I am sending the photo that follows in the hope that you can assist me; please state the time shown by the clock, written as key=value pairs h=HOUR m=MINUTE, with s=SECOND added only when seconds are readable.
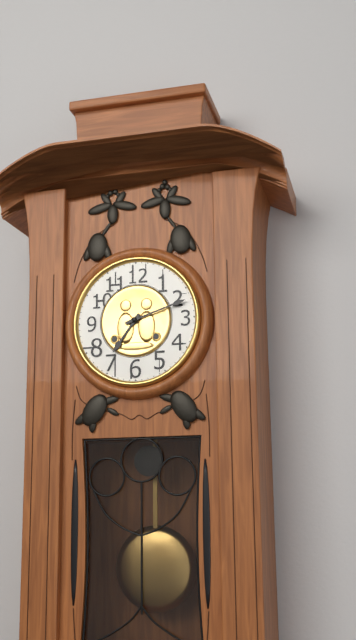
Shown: h=7 m=12
